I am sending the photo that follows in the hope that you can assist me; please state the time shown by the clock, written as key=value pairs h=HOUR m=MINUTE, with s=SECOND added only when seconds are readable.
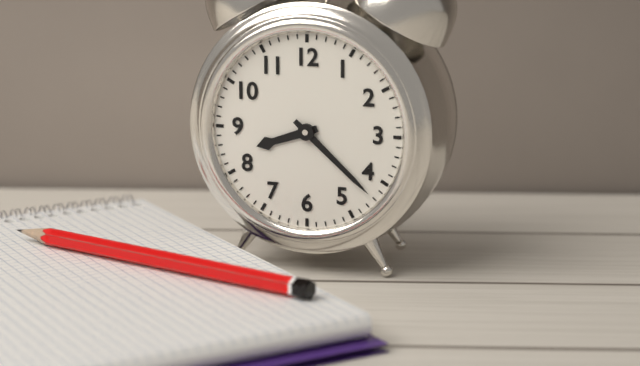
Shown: h=8 m=22
